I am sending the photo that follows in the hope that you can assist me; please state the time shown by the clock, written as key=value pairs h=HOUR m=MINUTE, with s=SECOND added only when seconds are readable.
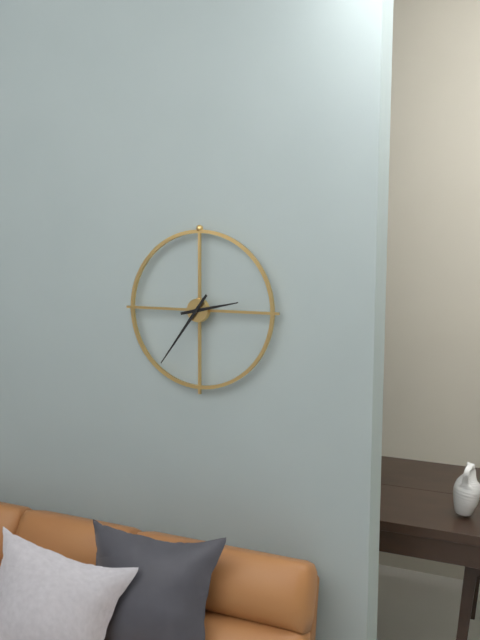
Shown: h=2 m=36
